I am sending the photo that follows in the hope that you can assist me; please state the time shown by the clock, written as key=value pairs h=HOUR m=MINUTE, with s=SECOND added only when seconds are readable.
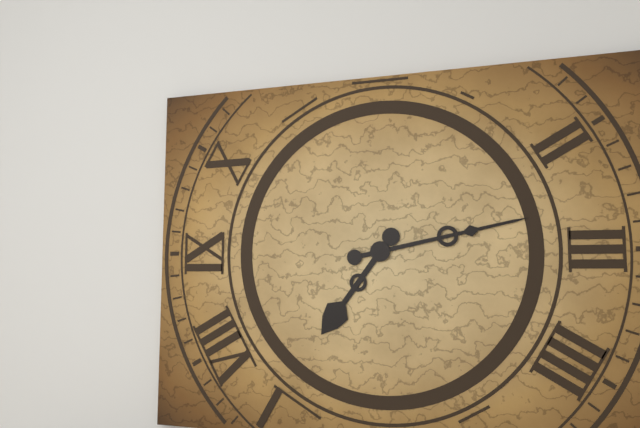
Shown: h=7 m=13
